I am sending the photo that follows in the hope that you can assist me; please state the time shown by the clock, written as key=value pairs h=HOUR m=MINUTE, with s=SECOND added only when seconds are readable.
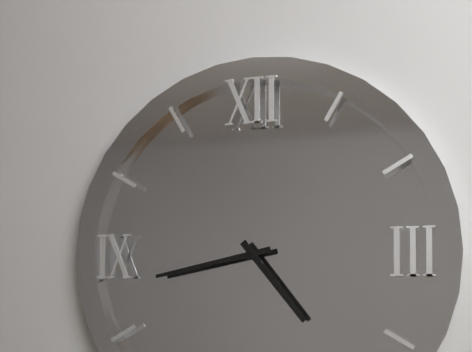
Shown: h=4 m=43
